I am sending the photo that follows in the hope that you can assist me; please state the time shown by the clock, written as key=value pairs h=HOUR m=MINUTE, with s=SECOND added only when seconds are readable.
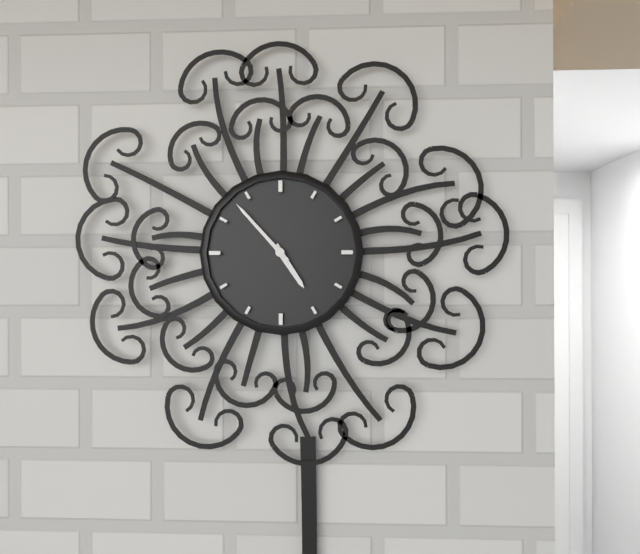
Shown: h=4 m=53
